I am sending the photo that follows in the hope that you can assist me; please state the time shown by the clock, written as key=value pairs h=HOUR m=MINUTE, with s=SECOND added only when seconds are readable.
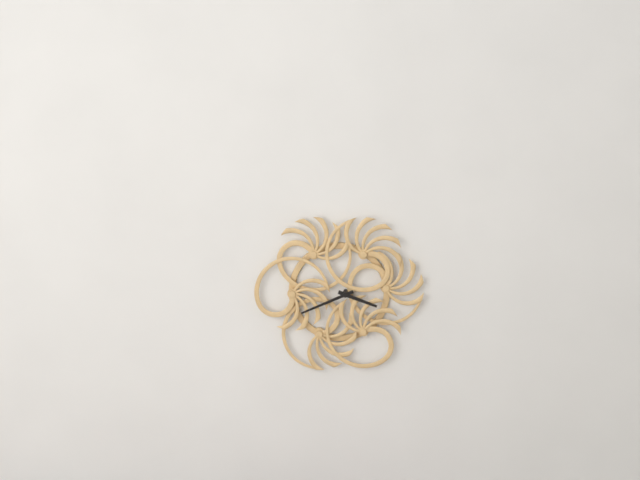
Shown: h=3 m=41
